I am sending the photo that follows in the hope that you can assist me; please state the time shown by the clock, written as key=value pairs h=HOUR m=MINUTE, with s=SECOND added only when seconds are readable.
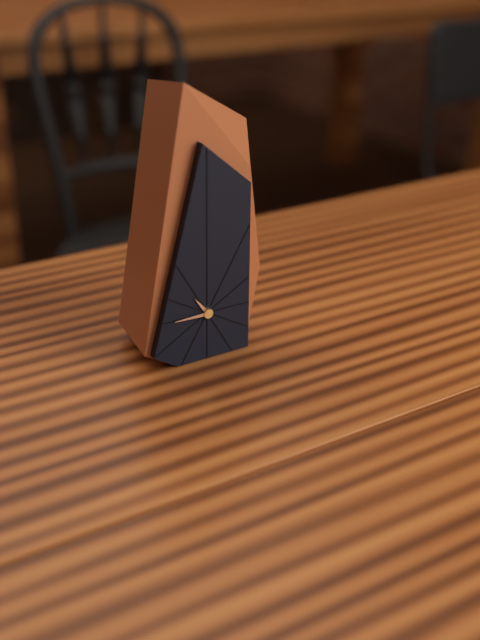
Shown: h=10 m=45
